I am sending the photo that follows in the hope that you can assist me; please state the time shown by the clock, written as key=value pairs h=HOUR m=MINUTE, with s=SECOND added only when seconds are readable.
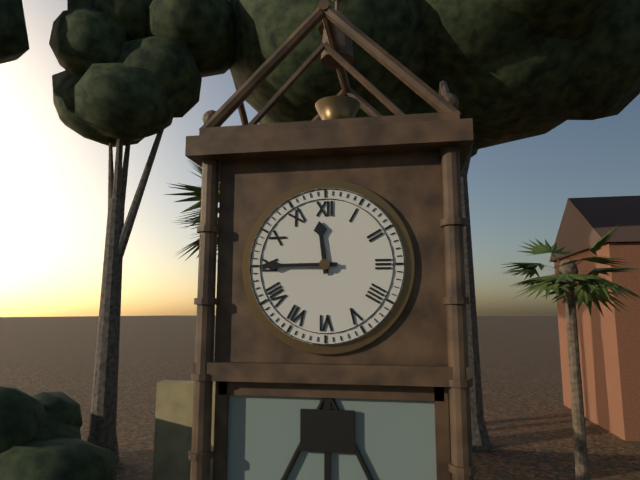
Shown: h=11 m=45
